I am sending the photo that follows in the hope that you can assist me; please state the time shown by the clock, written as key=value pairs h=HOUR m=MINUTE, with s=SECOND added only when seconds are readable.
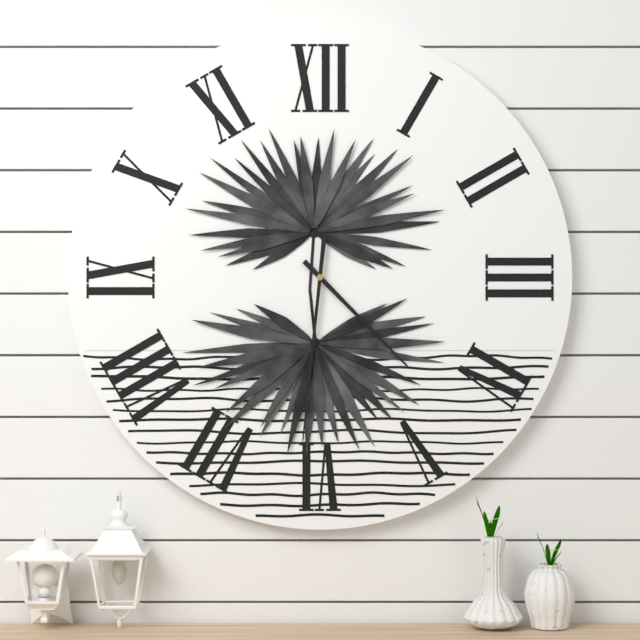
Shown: h=4 m=31
